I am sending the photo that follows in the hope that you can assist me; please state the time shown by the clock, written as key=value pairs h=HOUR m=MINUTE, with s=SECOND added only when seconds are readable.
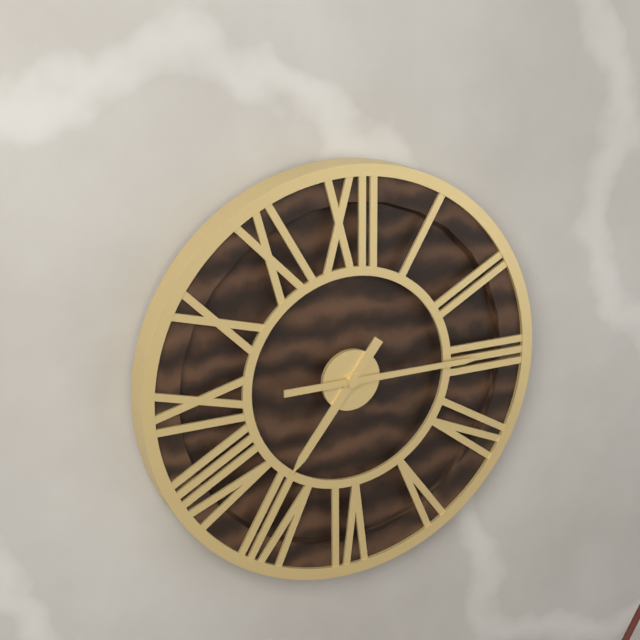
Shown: h=7 m=15
